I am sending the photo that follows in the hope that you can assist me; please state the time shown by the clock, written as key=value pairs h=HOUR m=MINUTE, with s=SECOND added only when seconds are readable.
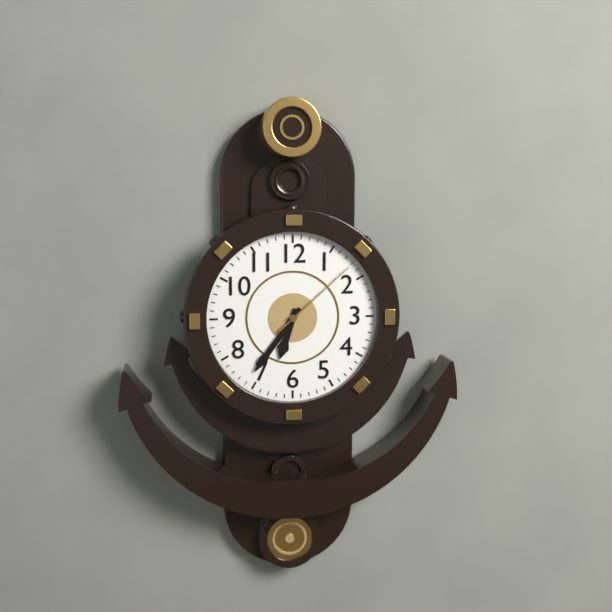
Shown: h=6 m=36 s=8
